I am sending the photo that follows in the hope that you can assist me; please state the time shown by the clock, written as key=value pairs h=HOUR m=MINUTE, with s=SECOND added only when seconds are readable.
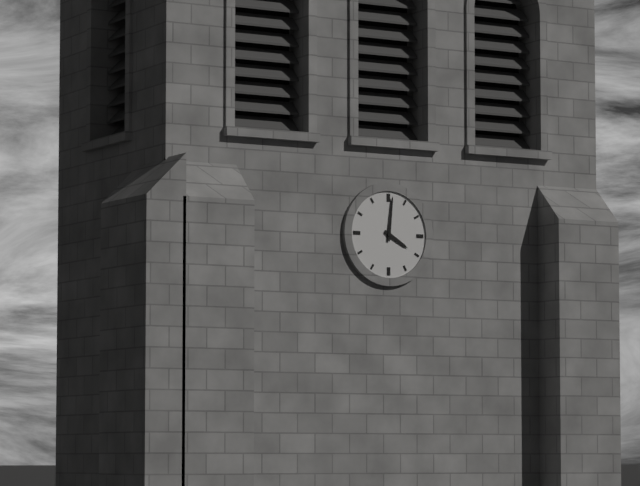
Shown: h=4 m=1
